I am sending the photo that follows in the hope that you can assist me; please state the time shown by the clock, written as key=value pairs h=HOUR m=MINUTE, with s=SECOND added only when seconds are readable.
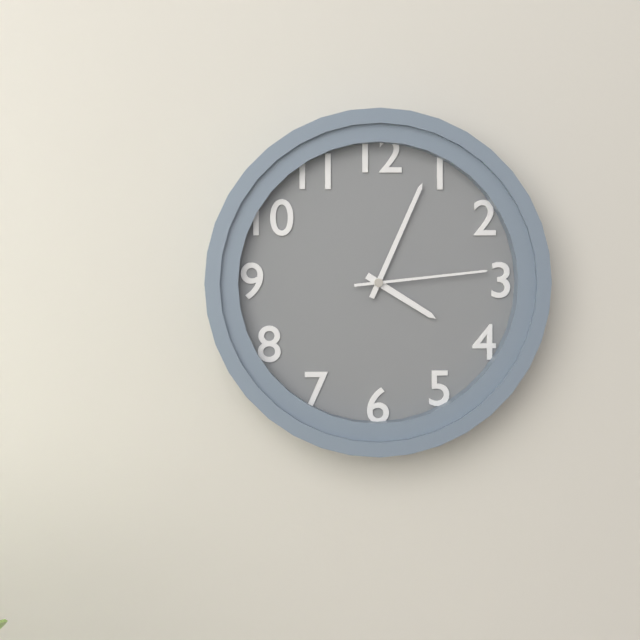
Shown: h=4 m=4 s=14
